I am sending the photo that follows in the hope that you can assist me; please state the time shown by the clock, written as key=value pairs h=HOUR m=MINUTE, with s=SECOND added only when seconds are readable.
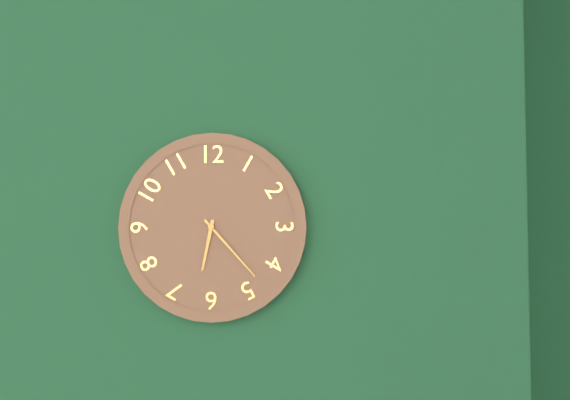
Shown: h=6 m=23
